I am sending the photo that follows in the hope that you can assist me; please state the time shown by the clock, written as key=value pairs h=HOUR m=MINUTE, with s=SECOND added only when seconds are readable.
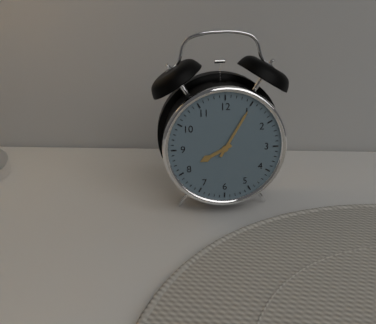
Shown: h=8 m=5
